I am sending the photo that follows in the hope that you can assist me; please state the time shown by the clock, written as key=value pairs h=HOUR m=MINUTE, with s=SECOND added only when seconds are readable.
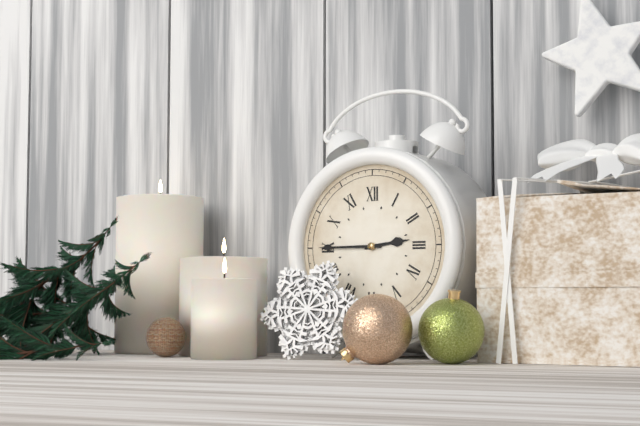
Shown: h=2 m=45
